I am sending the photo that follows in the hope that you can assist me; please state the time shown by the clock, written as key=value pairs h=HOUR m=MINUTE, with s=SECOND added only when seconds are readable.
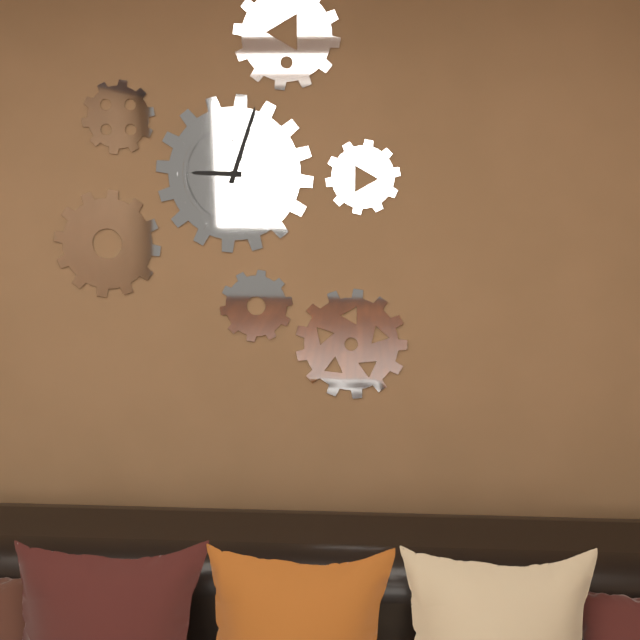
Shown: h=9 m=3
